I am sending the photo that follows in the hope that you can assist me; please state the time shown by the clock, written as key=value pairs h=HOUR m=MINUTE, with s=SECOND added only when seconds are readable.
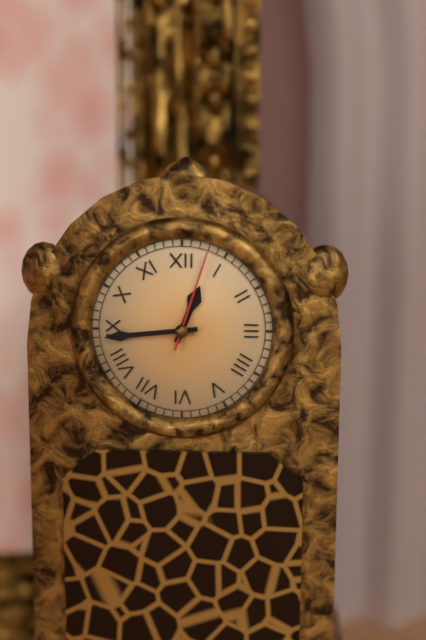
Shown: h=12 m=44 s=3
